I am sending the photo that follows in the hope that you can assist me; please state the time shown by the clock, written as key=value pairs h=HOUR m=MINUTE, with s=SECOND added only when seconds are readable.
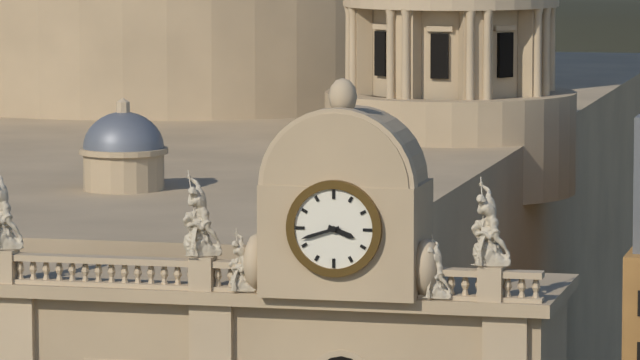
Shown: h=3 m=42
